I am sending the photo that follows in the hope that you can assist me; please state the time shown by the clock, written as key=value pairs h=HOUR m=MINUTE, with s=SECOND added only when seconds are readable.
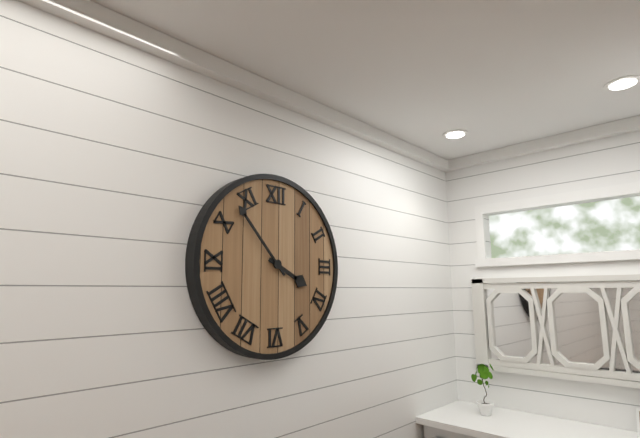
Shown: h=3 m=53
